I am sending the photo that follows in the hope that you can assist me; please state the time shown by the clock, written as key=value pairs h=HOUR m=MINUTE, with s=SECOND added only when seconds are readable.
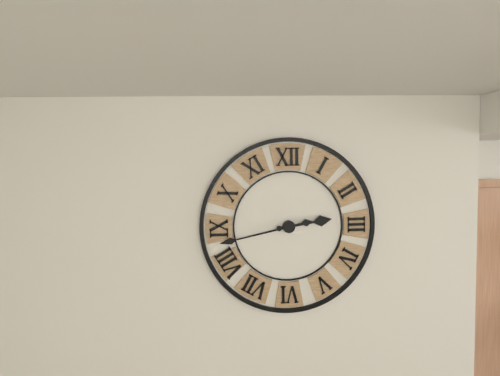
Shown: h=2 m=43
